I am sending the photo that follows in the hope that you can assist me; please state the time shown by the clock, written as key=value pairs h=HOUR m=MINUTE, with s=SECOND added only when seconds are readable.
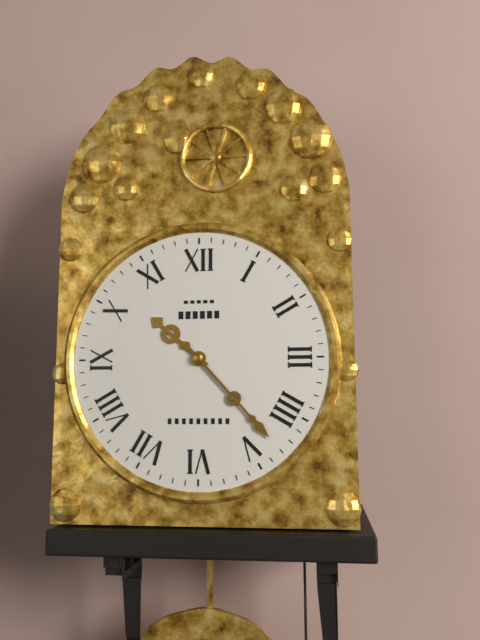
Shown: h=10 m=23
